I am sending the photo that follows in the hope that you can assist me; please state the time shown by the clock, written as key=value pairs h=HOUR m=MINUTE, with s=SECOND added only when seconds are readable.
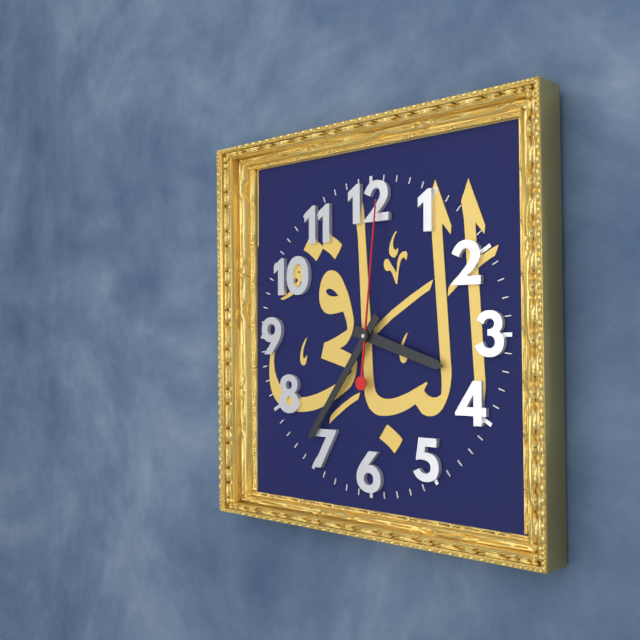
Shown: h=3 m=36 s=1
